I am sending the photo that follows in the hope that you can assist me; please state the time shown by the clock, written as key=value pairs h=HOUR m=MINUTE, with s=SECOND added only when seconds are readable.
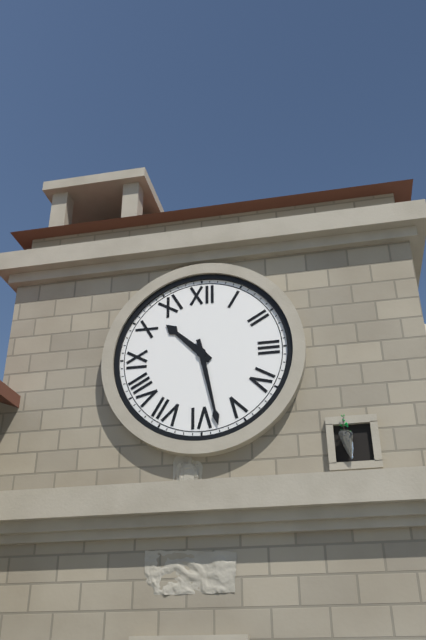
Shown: h=10 m=28
